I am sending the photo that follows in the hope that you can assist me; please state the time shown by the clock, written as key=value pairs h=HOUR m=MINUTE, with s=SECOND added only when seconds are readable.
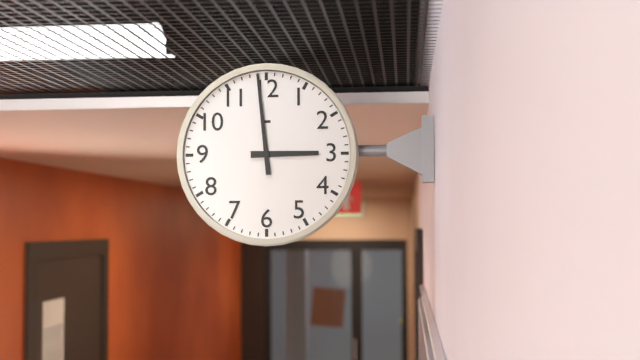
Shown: h=2 m=59
